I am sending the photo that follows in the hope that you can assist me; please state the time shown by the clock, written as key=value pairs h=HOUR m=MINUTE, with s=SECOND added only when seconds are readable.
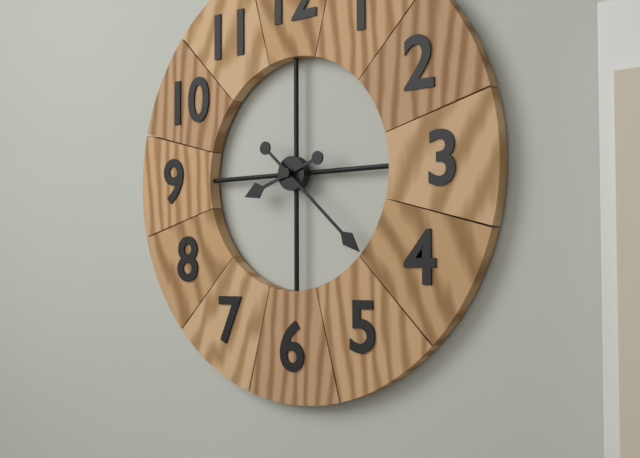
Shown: h=8 m=22
